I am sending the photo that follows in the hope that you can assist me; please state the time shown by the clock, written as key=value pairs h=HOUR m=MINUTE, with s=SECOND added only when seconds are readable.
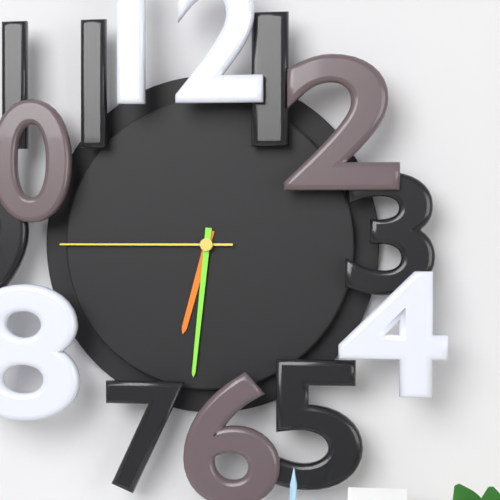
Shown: h=6 m=31 s=45
